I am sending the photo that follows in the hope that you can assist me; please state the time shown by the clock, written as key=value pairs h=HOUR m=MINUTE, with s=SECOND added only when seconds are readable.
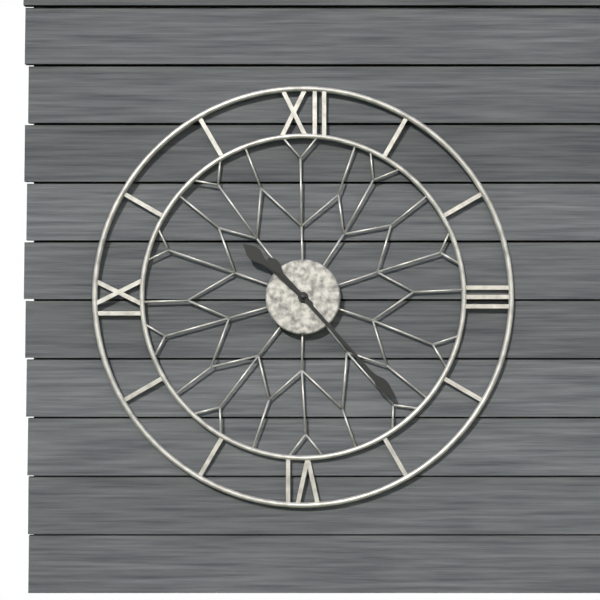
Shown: h=10 m=23
